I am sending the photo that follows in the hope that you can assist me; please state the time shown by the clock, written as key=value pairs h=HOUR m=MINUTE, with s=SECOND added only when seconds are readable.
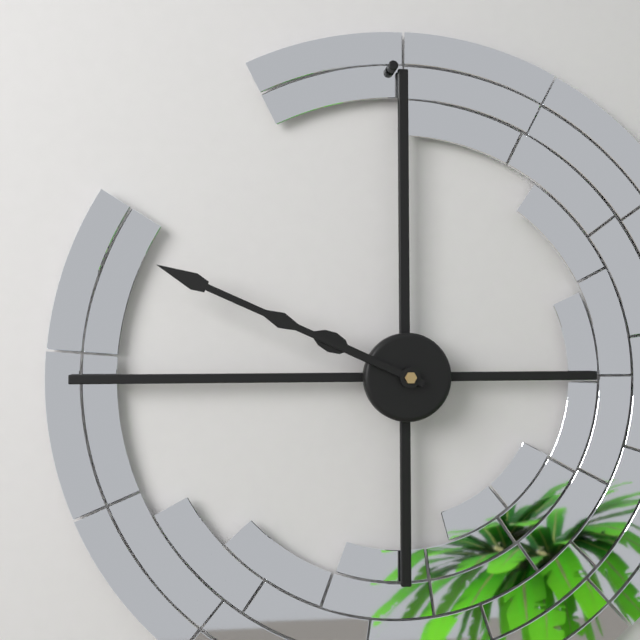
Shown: h=9 m=49
